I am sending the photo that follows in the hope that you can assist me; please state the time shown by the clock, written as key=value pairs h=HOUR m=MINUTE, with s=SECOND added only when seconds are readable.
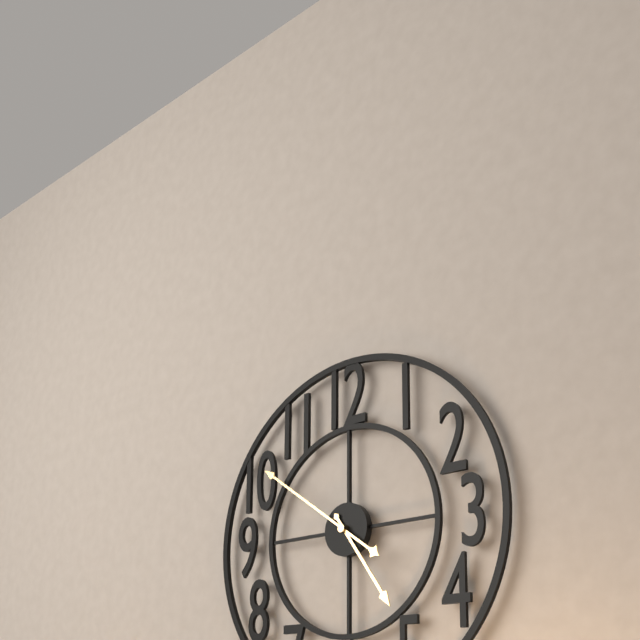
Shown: h=4 m=51
